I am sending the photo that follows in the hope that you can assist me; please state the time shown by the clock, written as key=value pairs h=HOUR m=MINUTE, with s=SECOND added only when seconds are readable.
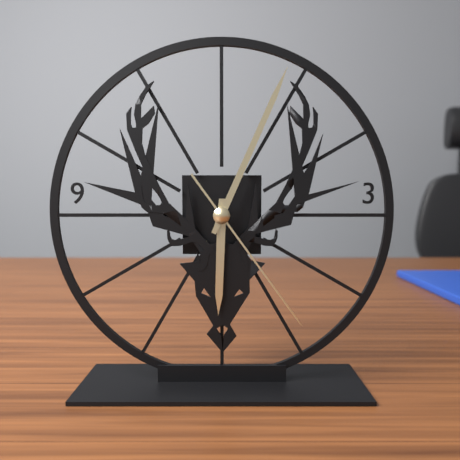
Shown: h=6 m=4 s=24
